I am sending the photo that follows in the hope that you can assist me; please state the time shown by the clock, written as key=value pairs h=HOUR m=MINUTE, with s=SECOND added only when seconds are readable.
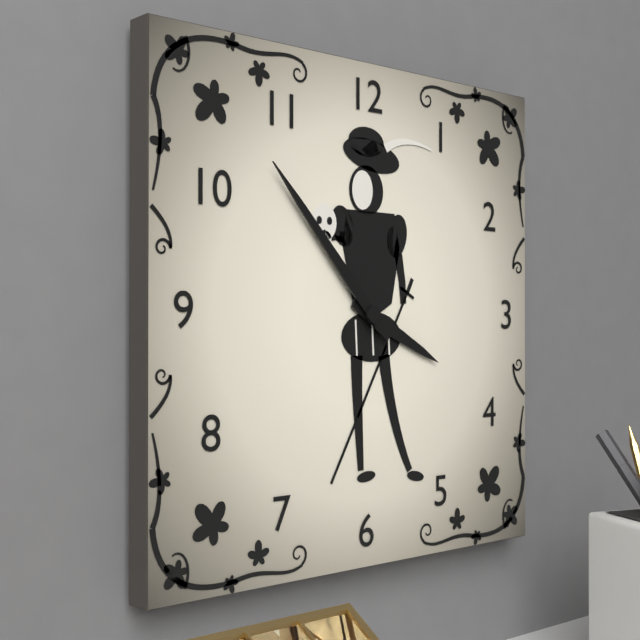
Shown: h=3 m=53
